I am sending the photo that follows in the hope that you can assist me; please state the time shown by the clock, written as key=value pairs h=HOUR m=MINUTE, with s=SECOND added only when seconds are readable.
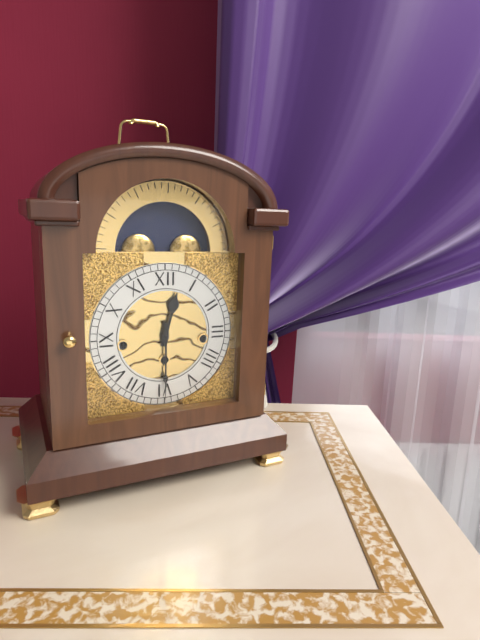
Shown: h=12 m=30
